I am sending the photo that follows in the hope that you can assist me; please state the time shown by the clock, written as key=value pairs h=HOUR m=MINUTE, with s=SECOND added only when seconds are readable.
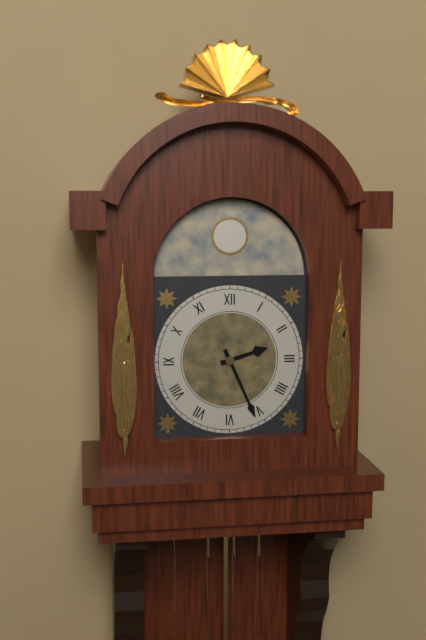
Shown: h=2 m=26
